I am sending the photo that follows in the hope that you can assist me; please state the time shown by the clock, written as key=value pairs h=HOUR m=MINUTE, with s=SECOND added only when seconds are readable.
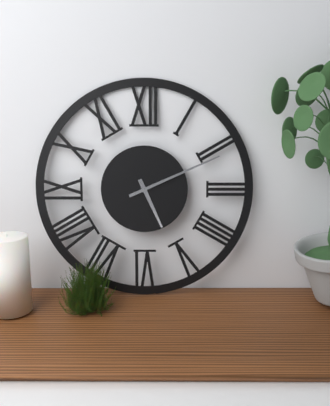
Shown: h=5 m=11
